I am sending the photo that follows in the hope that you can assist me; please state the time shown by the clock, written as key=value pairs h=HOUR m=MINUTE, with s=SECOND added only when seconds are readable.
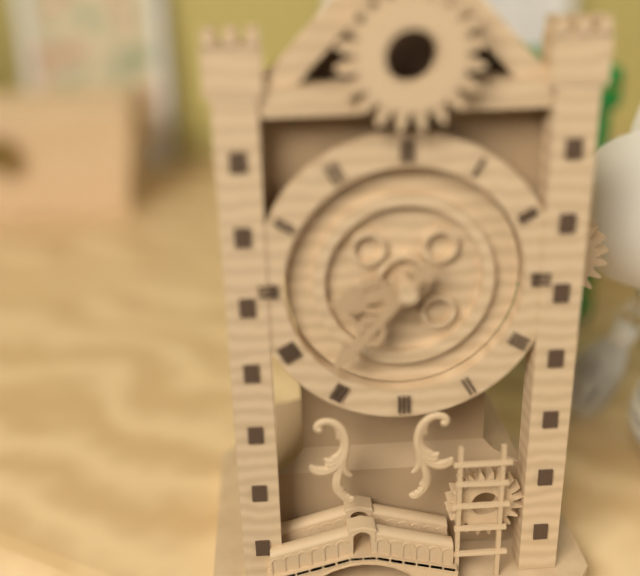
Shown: h=8 m=37
